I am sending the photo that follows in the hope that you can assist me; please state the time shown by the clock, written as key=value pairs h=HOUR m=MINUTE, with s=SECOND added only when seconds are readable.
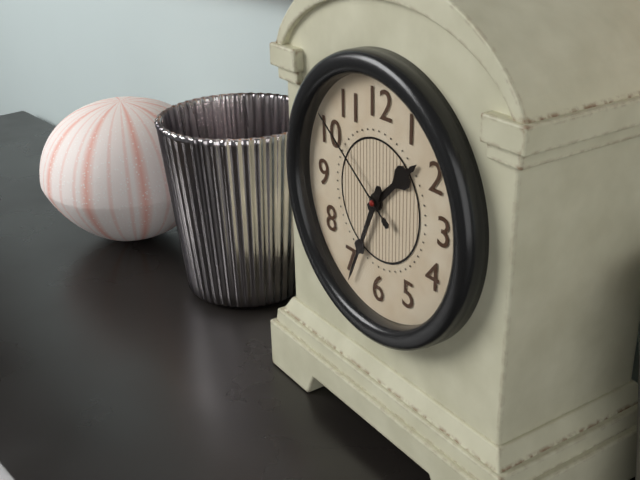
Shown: h=1 m=34 s=51
